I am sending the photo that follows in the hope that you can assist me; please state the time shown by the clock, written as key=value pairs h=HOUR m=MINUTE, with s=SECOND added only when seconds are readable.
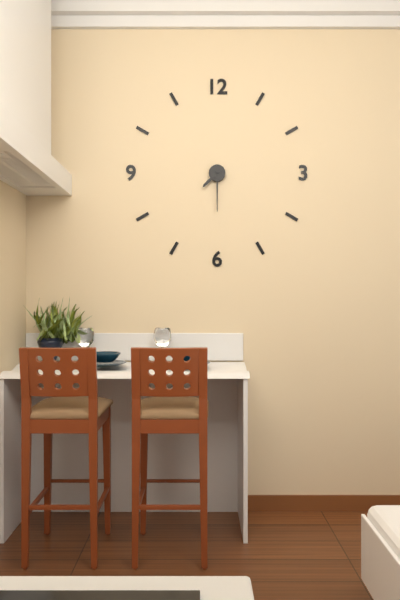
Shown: h=7 m=30
